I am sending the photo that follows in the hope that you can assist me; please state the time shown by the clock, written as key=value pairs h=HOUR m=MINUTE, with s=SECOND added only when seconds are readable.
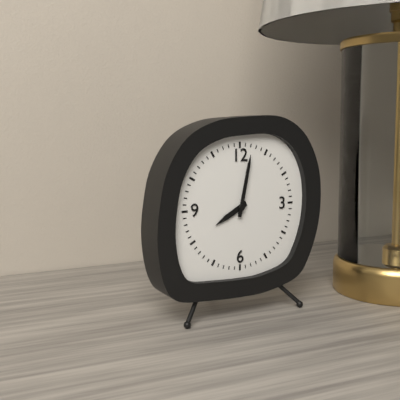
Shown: h=8 m=2
